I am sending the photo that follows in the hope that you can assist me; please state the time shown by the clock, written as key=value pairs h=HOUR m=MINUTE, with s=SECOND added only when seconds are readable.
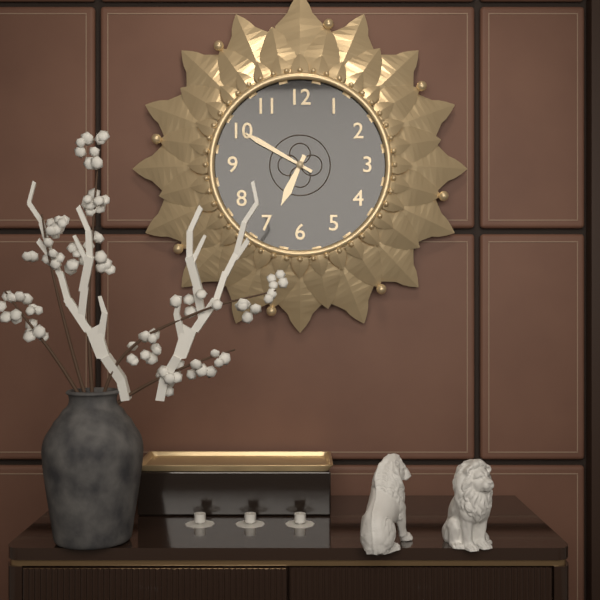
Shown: h=6 m=50
